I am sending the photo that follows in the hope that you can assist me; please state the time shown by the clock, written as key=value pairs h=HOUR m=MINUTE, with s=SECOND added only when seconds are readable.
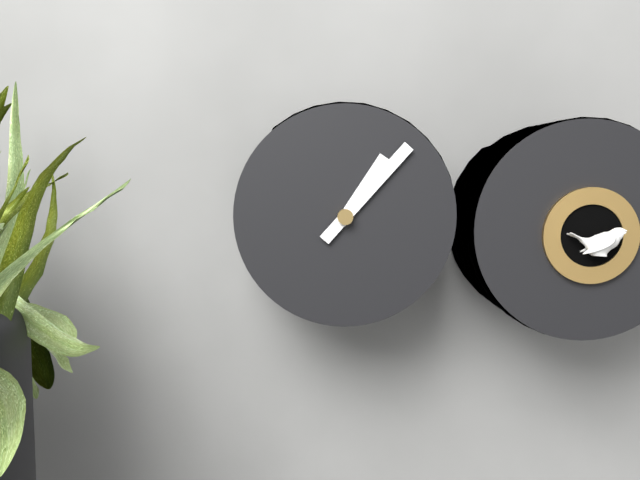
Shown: h=1 m=7
